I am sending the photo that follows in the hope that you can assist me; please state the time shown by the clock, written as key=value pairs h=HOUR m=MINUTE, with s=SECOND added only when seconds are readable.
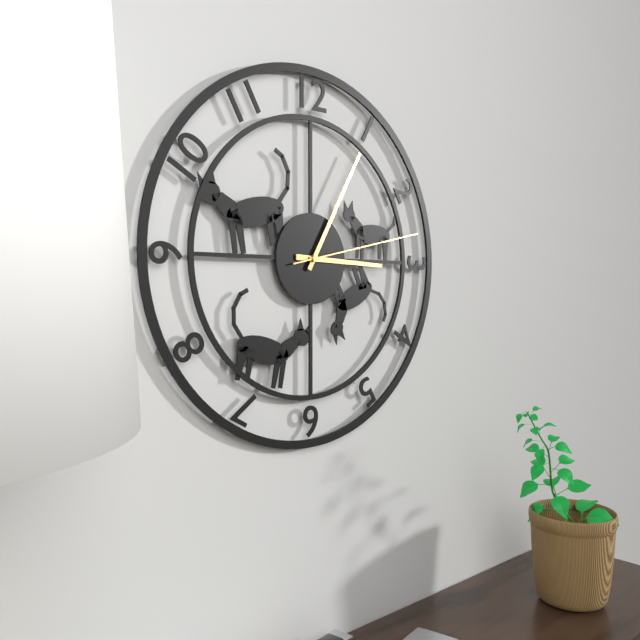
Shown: h=3 m=5 s=13
